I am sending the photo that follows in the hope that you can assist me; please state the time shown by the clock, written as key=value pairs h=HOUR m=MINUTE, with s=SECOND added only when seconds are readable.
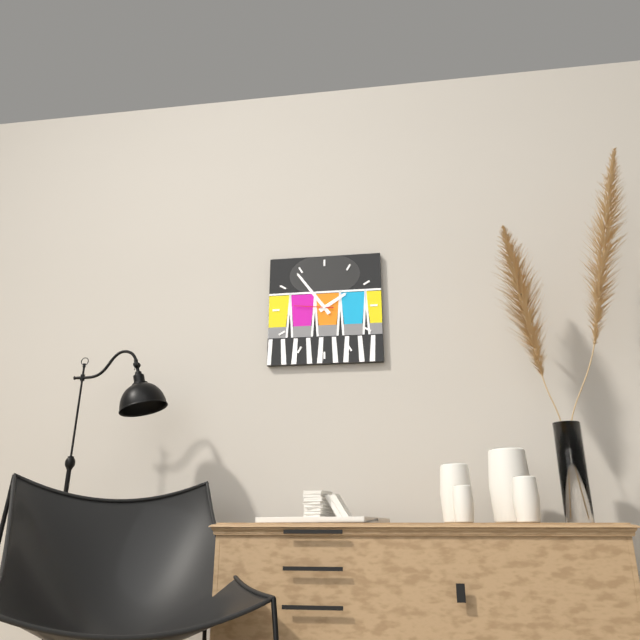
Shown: h=1 m=54
